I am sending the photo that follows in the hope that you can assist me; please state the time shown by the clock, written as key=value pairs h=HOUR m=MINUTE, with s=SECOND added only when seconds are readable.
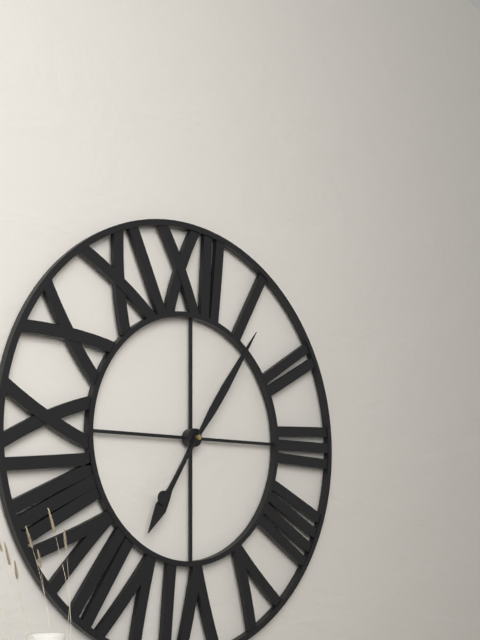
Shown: h=7 m=6
